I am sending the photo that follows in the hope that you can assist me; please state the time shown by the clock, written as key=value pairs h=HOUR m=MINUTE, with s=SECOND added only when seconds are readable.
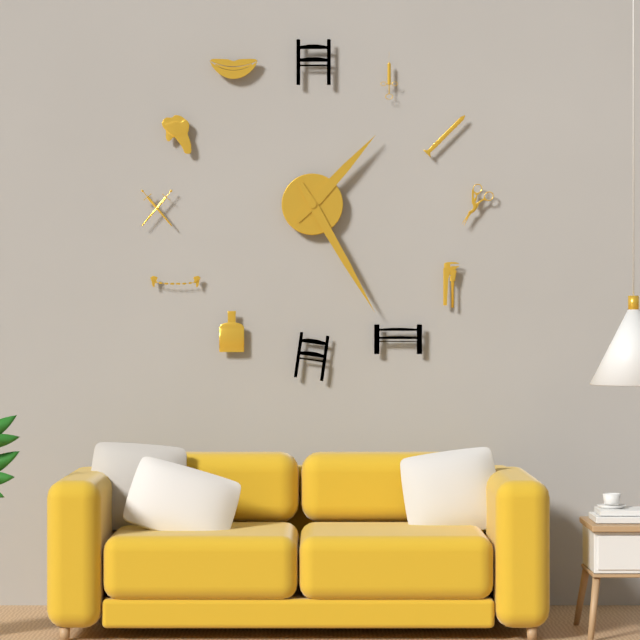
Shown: h=1 m=25
